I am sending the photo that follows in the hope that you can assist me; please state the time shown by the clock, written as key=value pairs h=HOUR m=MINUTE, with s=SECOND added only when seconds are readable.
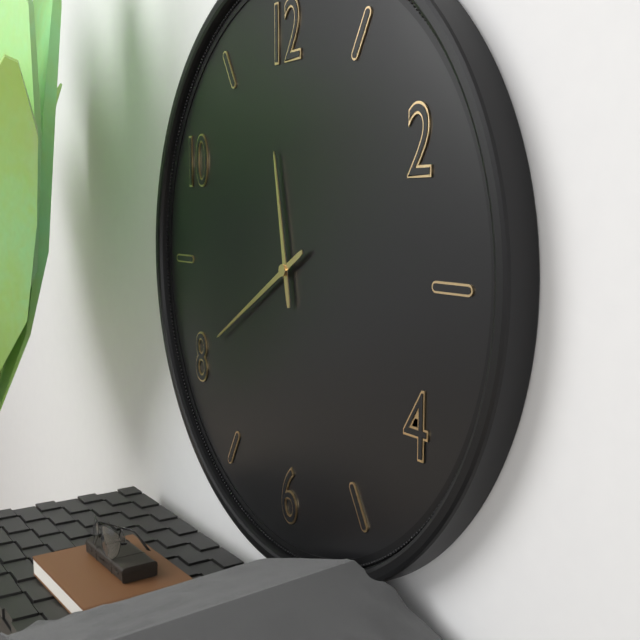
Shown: h=11 m=40
